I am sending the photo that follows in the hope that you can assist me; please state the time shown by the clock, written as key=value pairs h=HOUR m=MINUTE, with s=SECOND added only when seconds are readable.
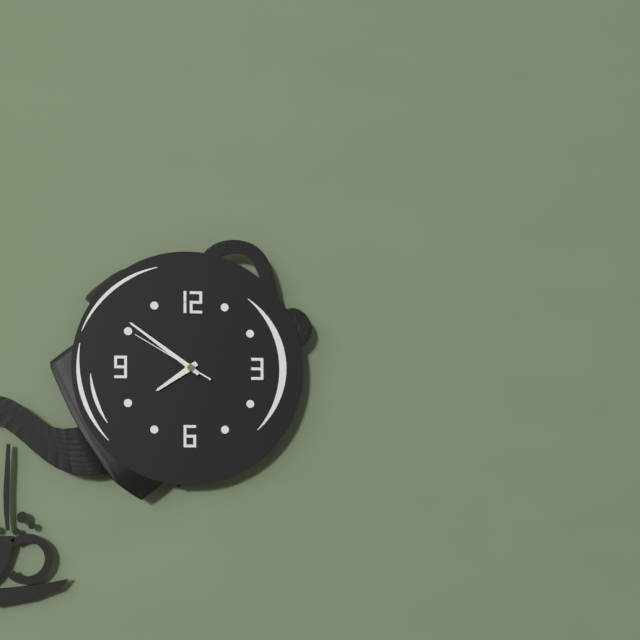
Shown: h=7 m=51 s=50
